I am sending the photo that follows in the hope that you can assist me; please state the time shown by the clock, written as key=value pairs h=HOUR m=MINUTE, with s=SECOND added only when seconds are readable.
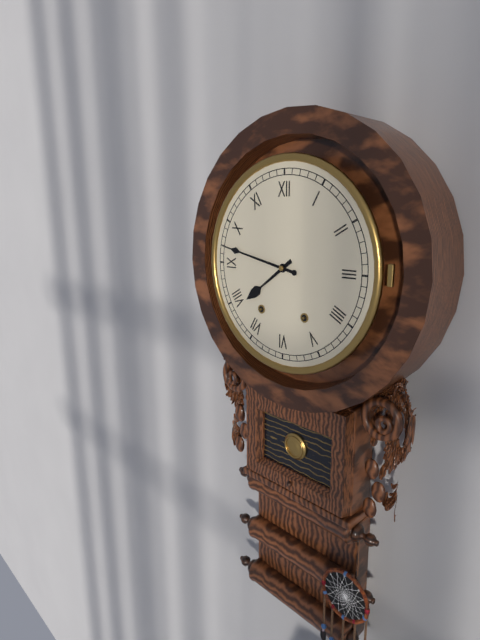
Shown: h=7 m=47
